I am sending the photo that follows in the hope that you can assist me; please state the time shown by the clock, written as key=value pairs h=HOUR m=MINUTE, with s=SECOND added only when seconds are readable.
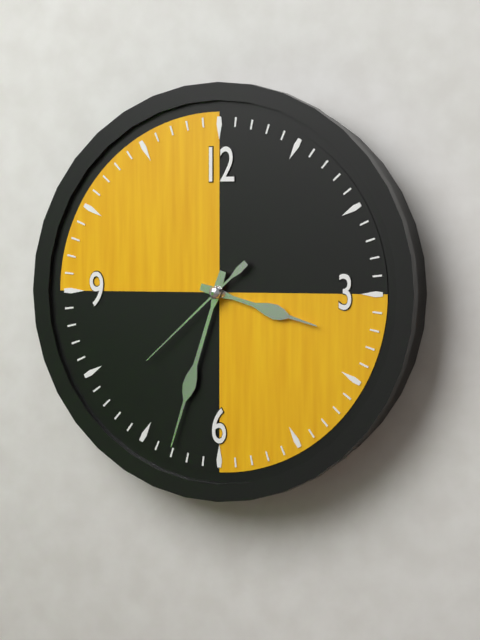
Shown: h=3 m=33 s=38
